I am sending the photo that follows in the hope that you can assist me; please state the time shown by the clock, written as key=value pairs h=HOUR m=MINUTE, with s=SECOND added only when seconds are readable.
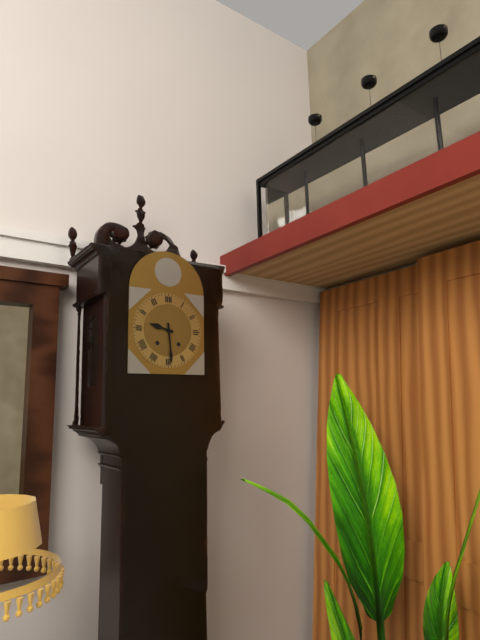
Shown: h=9 m=29
